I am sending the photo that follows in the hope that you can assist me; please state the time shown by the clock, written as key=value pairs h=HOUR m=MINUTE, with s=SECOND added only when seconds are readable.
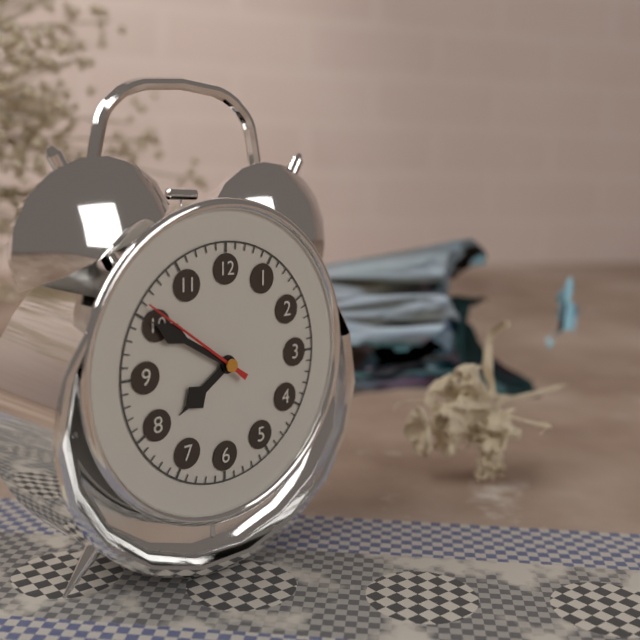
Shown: h=7 m=50 s=51
